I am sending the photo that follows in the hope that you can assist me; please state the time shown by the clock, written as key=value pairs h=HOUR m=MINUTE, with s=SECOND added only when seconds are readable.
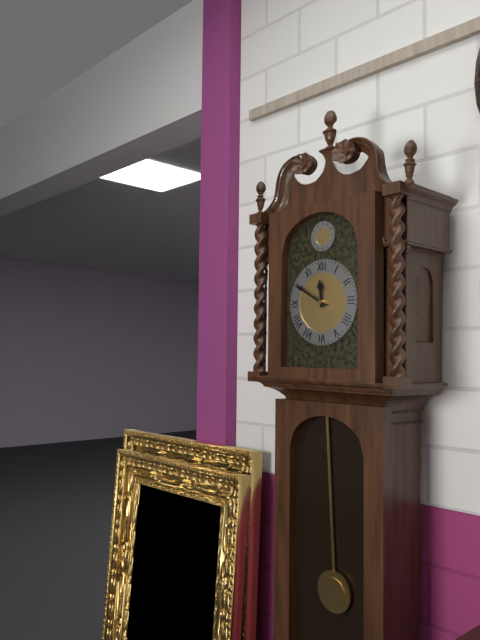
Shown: h=11 m=50
